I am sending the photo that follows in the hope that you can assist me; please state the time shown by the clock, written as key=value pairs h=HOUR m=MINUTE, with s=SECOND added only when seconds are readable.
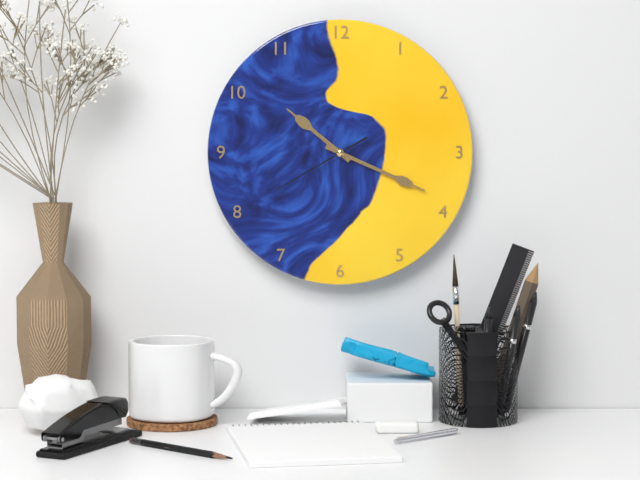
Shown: h=10 m=19 s=40
